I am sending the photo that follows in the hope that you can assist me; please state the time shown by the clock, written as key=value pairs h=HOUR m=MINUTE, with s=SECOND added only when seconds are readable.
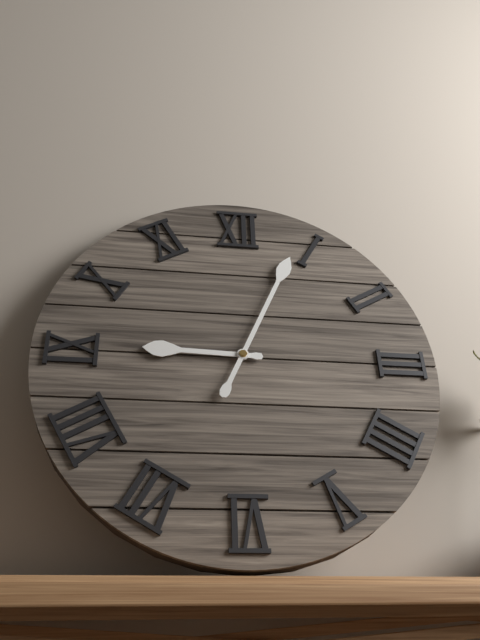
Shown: h=9 m=4
